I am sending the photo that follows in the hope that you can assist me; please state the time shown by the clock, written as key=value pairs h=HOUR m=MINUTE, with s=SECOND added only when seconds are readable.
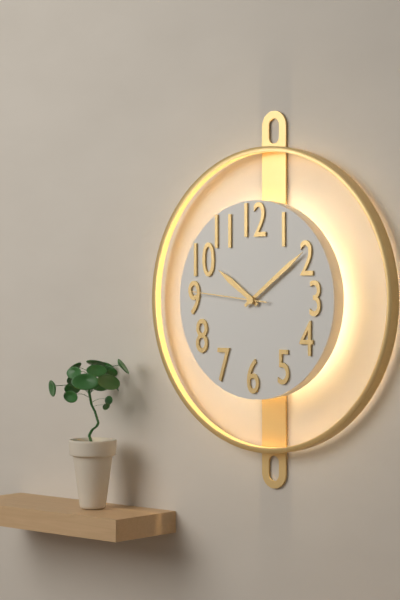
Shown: h=10 m=9 s=46
